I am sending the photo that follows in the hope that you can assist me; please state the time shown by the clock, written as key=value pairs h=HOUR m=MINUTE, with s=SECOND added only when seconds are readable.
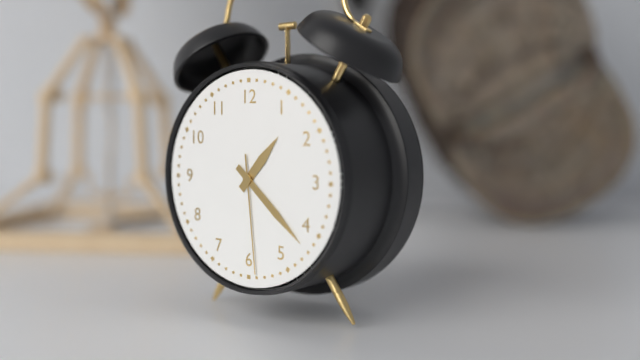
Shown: h=1 m=22 s=29
